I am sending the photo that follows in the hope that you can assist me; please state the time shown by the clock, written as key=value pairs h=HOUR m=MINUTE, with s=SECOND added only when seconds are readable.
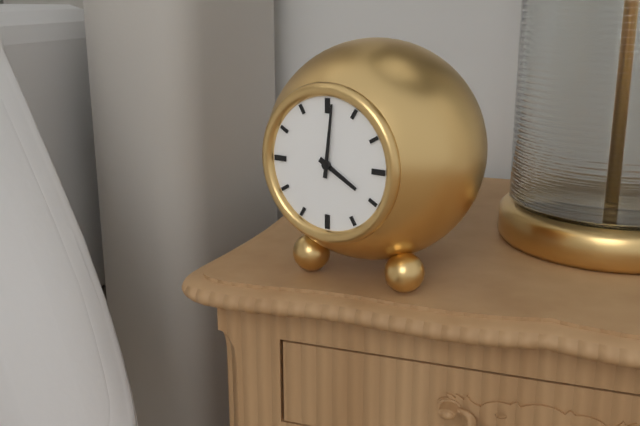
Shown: h=4 m=1
